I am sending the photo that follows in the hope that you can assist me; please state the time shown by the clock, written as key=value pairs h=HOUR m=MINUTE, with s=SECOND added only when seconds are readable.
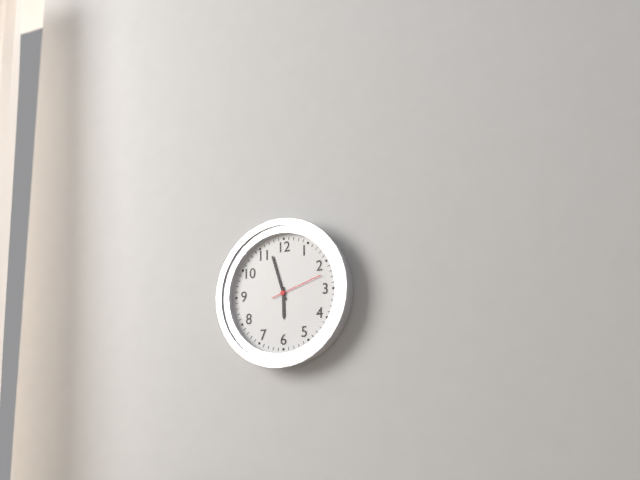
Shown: h=5 m=57 s=12
